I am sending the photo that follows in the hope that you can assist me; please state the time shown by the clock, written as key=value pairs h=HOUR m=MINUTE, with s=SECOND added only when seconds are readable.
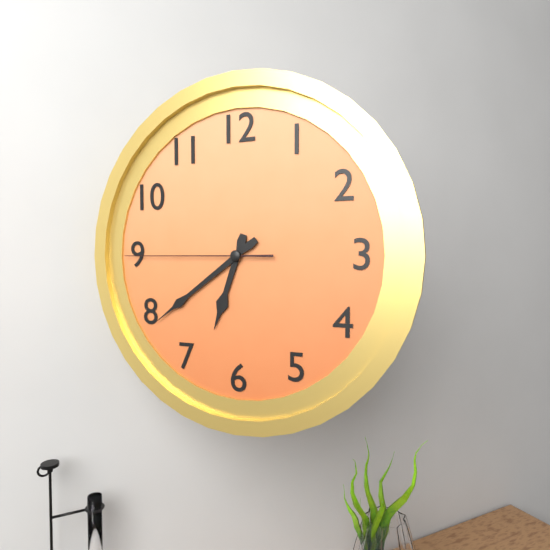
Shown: h=6 m=39 s=45
